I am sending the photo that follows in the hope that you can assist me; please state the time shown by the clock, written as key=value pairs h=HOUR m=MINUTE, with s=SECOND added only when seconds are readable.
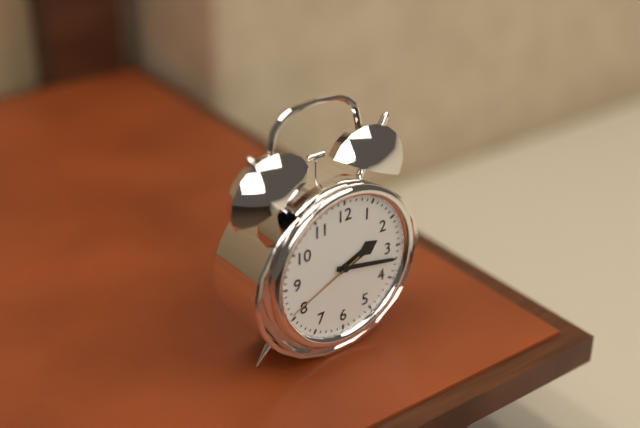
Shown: h=2 m=17 s=41
